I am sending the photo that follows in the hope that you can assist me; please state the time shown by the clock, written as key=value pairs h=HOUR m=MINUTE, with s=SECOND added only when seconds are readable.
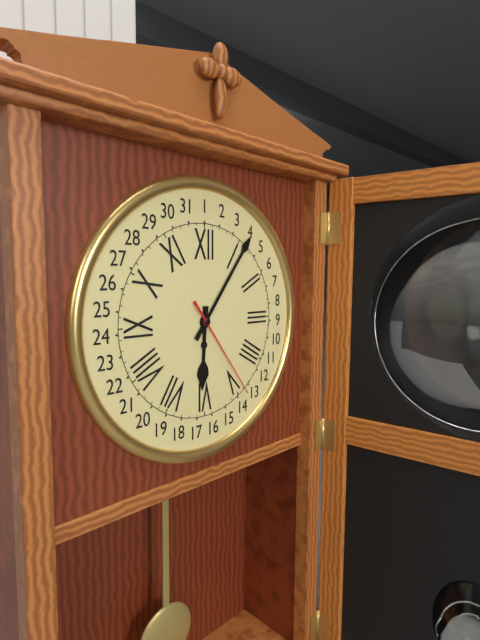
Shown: h=6 m=6 s=24
